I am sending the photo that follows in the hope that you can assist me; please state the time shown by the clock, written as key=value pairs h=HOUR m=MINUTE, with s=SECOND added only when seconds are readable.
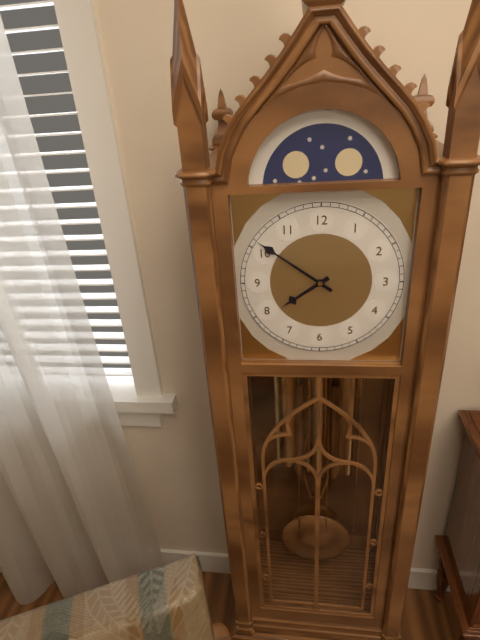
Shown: h=7 m=51
